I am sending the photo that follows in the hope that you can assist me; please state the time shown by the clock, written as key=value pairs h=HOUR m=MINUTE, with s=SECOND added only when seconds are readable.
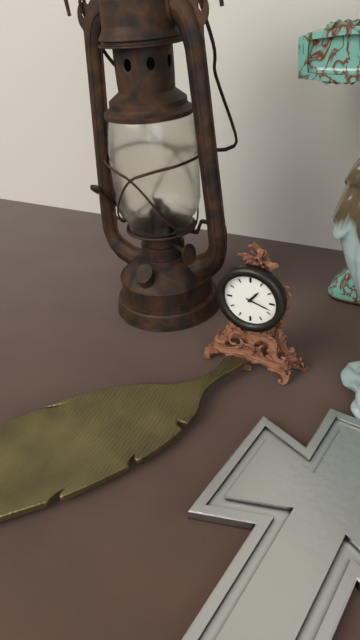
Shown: h=1 m=18
